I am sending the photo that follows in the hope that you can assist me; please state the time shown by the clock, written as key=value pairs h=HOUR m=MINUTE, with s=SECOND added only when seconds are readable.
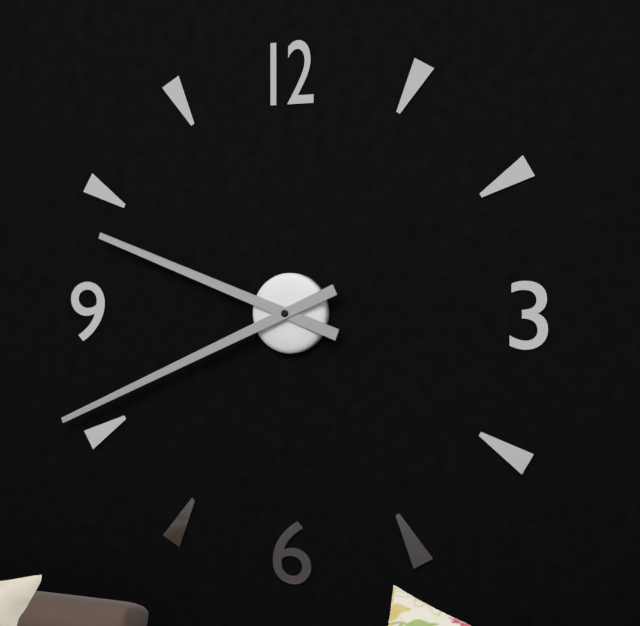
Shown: h=9 m=41
